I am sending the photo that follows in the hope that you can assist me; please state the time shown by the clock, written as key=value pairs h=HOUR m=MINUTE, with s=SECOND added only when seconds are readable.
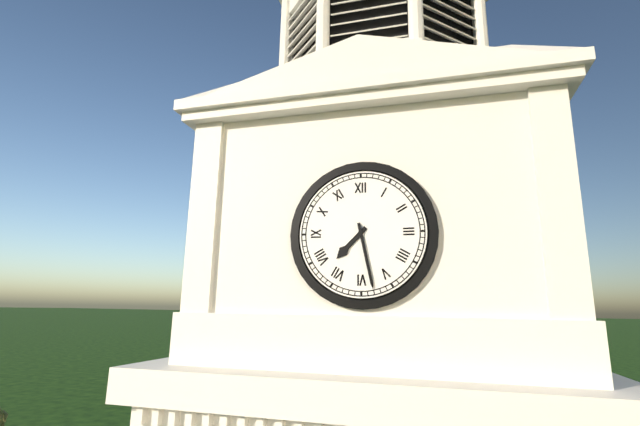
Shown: h=7 m=28
